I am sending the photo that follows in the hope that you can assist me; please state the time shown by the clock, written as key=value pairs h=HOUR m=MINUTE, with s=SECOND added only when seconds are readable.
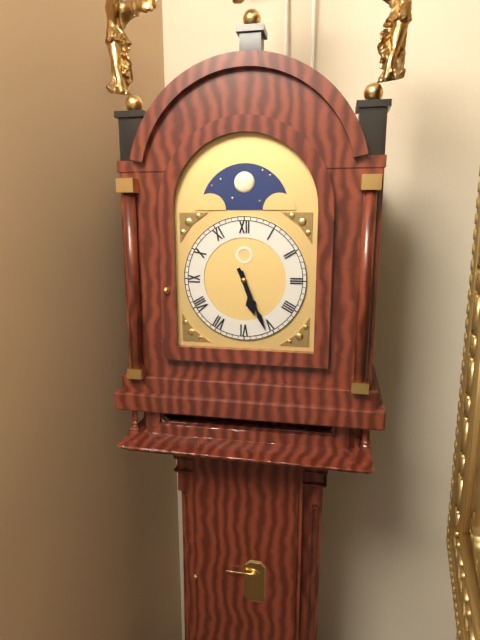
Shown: h=5 m=26
